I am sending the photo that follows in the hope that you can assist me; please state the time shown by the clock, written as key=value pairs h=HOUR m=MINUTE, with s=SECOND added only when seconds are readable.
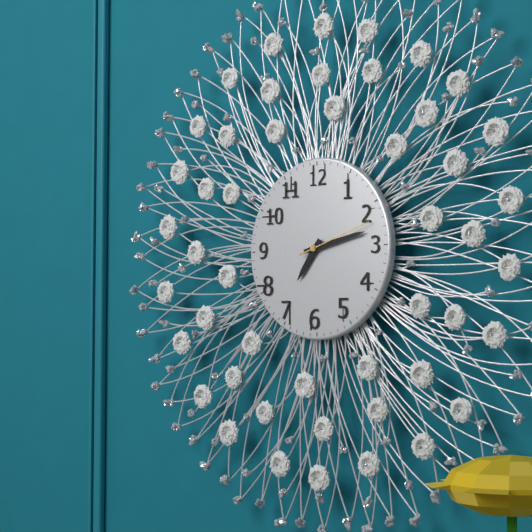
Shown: h=7 m=13 s=12
